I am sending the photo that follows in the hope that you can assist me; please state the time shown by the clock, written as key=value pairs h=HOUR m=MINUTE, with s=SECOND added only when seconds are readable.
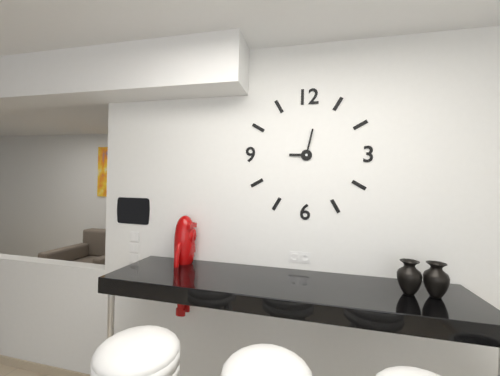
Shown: h=9 m=2
